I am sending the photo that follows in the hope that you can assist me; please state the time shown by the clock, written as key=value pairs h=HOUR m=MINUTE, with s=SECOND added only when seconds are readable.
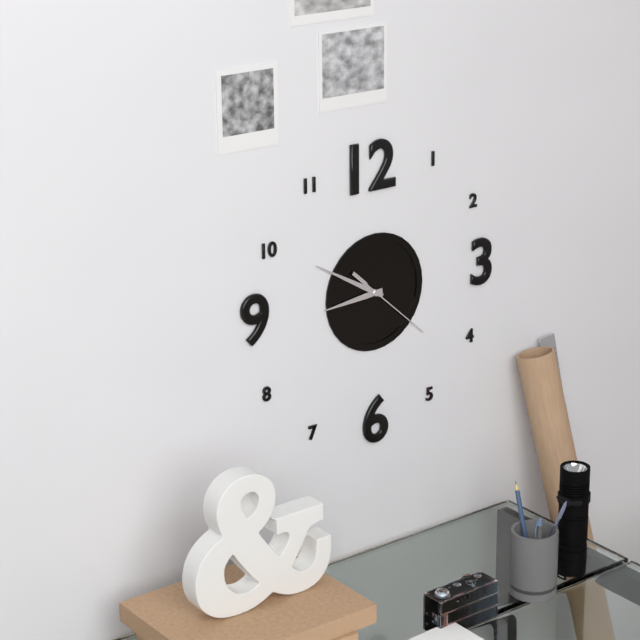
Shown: h=8 m=50 s=22
